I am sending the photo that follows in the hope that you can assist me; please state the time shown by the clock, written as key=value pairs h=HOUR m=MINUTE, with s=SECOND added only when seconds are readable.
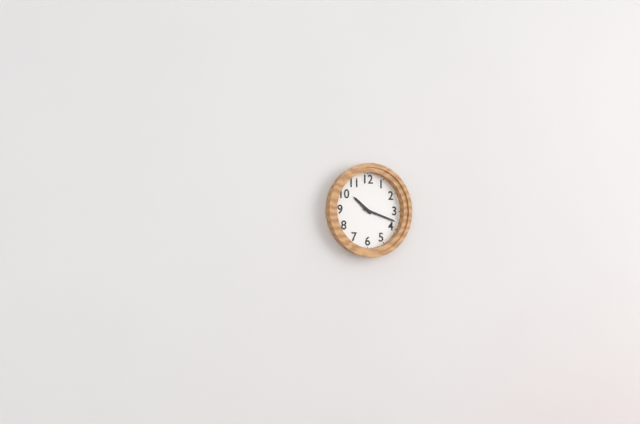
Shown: h=10 m=18
